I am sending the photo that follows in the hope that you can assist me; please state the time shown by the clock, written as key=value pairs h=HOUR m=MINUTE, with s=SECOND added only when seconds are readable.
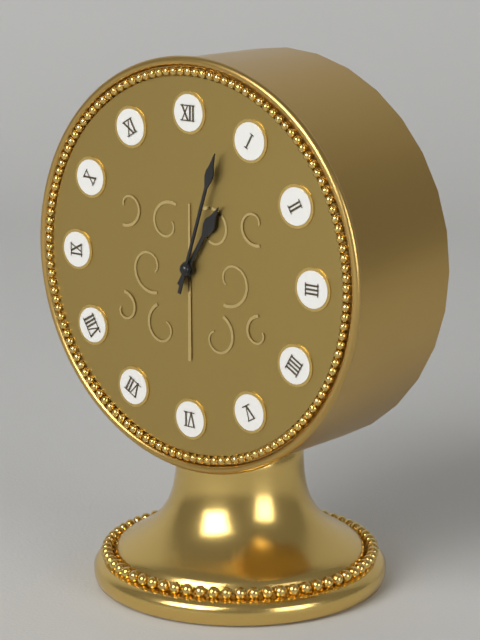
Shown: h=1 m=3
